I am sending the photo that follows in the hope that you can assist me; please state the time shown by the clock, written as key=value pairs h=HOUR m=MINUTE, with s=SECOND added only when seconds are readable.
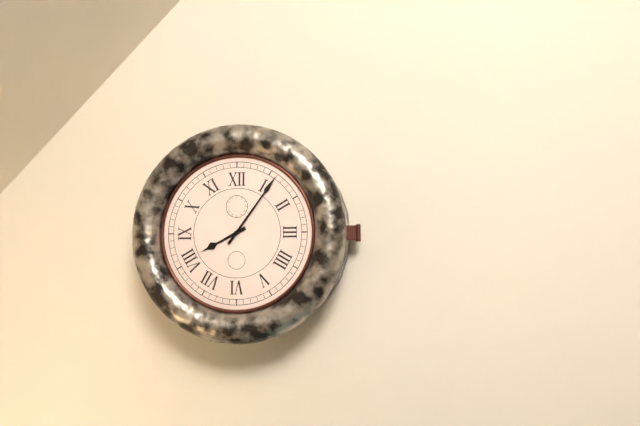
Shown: h=8 m=6
